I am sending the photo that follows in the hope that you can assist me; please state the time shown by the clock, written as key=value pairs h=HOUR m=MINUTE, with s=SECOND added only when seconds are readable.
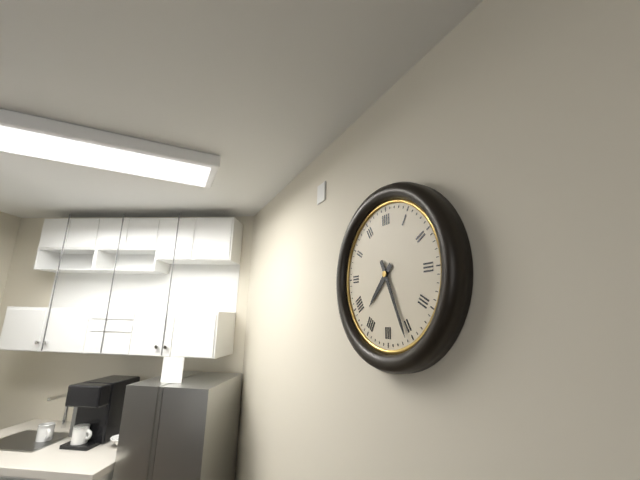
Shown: h=7 m=26
